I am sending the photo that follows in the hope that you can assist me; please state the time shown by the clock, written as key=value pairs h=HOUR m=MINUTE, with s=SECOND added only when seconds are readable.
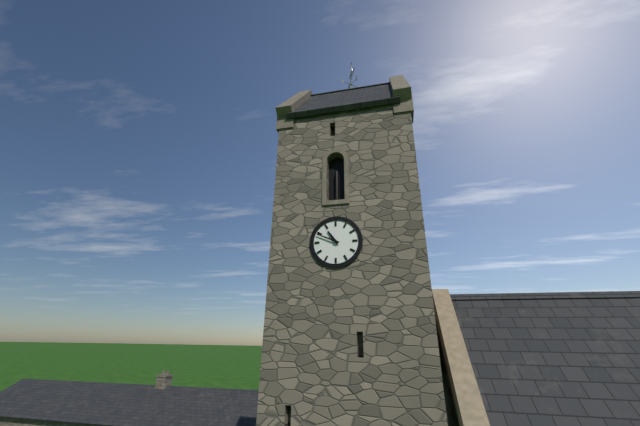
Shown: h=10 m=49
